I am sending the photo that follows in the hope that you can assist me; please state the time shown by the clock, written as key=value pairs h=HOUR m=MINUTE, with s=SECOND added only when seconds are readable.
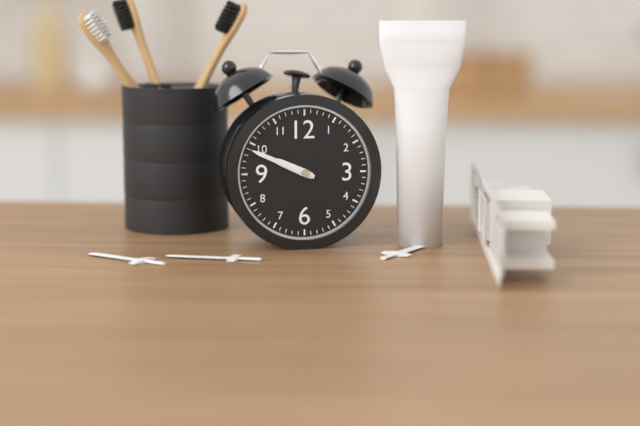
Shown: h=9 m=49
